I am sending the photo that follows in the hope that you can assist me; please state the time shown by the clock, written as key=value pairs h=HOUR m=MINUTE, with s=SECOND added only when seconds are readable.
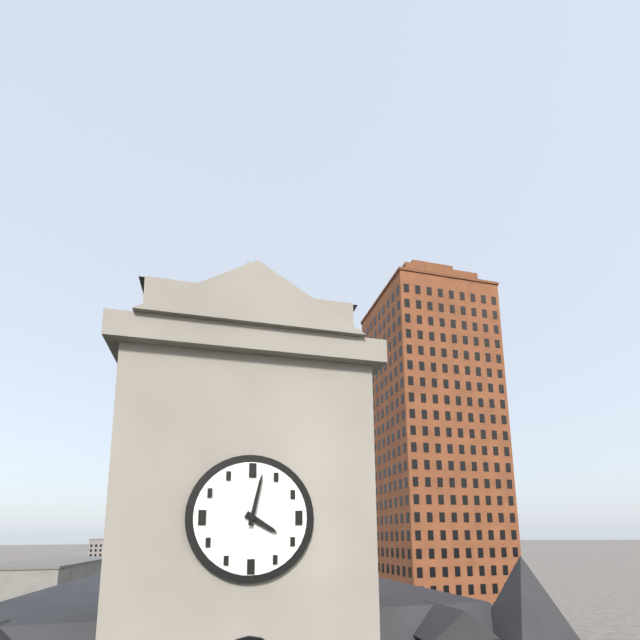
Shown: h=4 m=2
